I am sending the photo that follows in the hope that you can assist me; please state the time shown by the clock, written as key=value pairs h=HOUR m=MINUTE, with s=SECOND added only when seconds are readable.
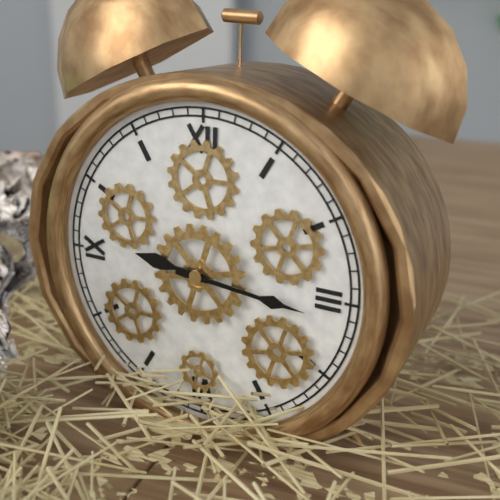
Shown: h=9 m=16
